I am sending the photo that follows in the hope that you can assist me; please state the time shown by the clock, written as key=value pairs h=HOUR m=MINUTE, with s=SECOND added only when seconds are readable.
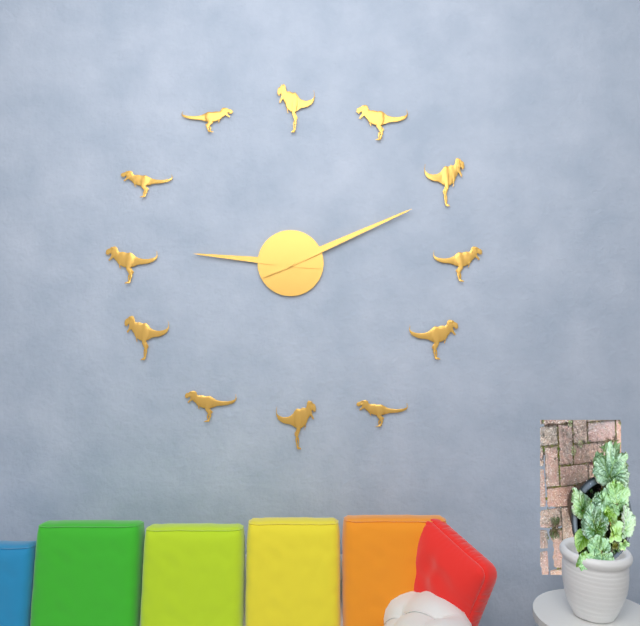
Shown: h=9 m=11
